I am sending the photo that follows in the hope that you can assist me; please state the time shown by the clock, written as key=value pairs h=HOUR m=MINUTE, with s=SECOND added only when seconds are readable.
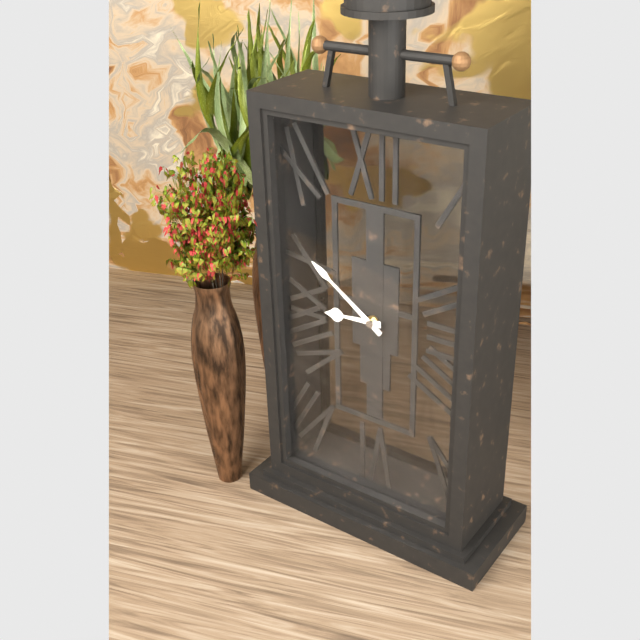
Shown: h=8 m=51
